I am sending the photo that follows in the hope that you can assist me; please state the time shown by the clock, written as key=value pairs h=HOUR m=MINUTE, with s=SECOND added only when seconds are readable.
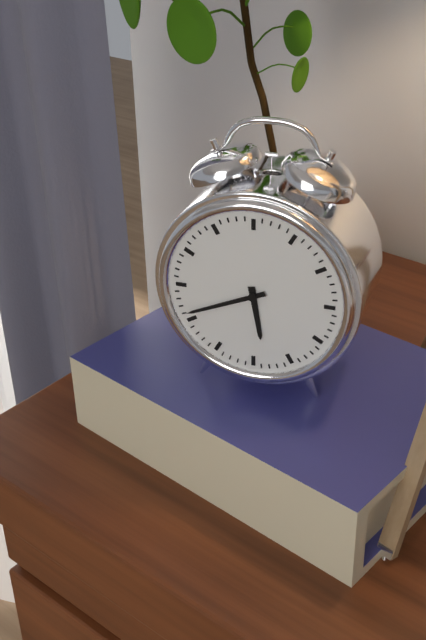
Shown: h=5 m=41
